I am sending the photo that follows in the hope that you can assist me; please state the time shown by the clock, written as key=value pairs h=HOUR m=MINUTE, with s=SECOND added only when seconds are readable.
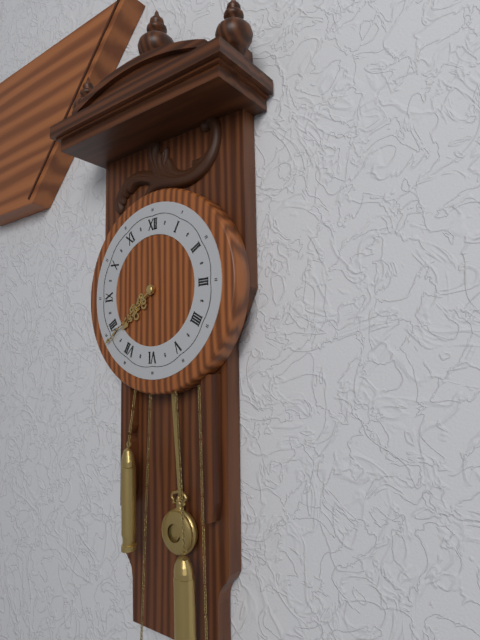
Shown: h=7 m=39
